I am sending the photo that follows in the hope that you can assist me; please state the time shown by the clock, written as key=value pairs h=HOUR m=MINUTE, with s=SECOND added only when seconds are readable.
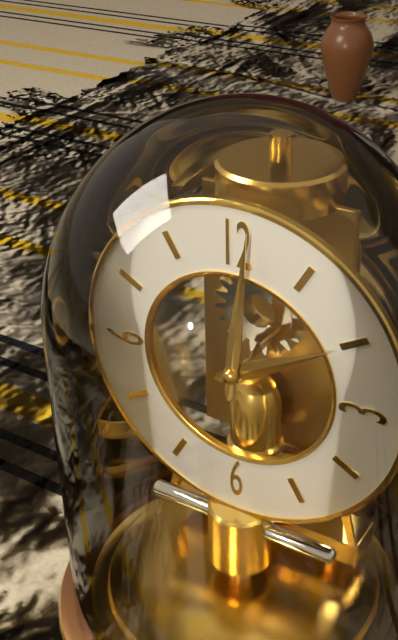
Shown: h=2 m=1
